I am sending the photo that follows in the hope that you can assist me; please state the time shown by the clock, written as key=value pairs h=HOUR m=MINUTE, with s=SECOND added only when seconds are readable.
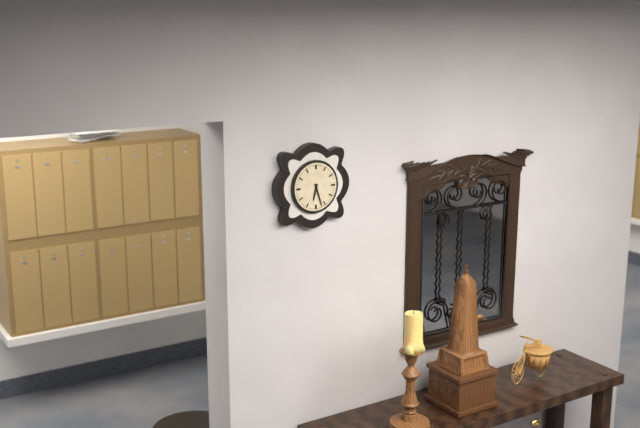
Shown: h=6 m=27
